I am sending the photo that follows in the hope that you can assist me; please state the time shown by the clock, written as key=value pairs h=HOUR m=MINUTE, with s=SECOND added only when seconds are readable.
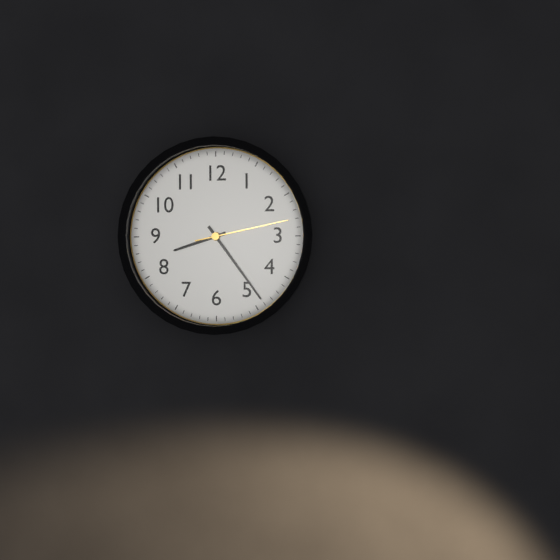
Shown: h=8 m=24 s=13
